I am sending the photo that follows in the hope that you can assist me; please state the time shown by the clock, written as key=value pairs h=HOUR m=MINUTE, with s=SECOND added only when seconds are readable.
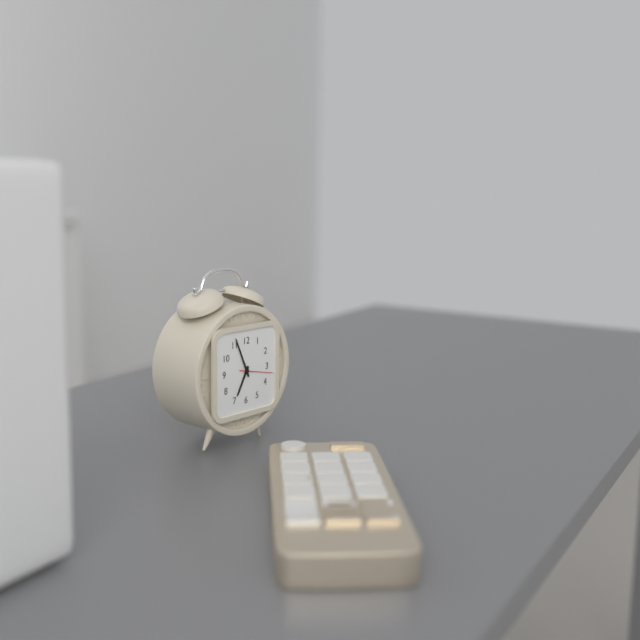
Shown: h=6 m=56
